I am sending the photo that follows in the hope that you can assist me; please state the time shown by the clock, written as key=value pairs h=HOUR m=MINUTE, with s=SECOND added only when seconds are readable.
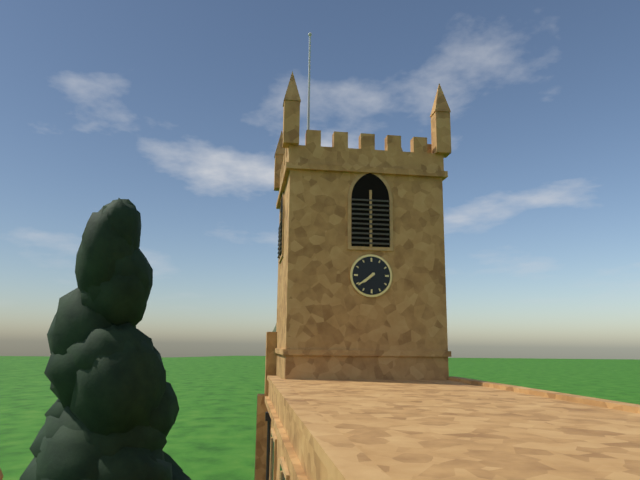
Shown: h=7 m=39
